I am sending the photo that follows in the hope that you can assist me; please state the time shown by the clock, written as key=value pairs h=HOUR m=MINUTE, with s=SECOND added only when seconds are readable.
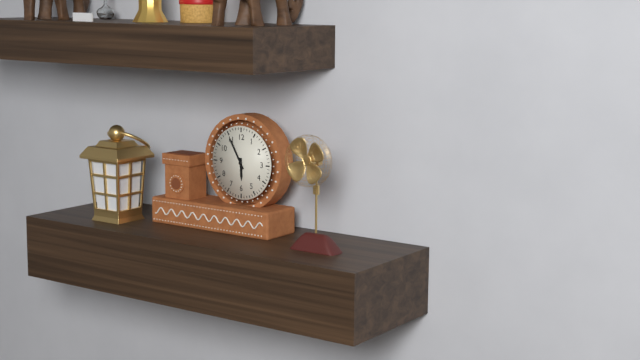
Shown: h=5 m=55
